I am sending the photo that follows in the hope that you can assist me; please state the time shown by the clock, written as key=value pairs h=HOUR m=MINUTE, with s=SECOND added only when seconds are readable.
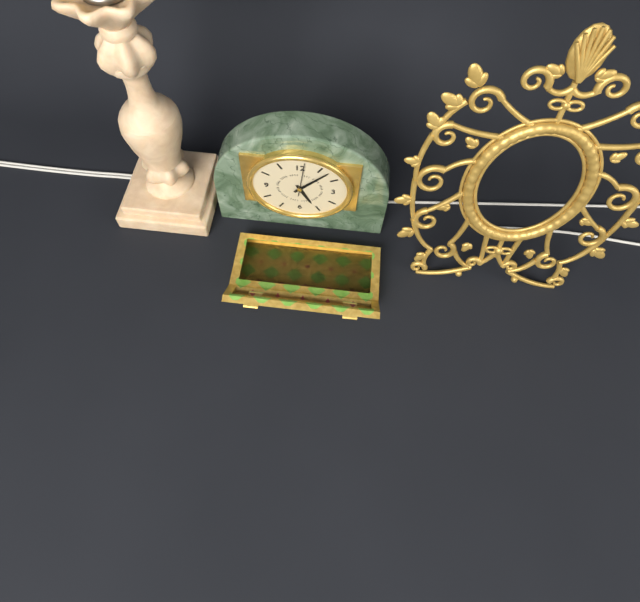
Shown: h=5 m=7
